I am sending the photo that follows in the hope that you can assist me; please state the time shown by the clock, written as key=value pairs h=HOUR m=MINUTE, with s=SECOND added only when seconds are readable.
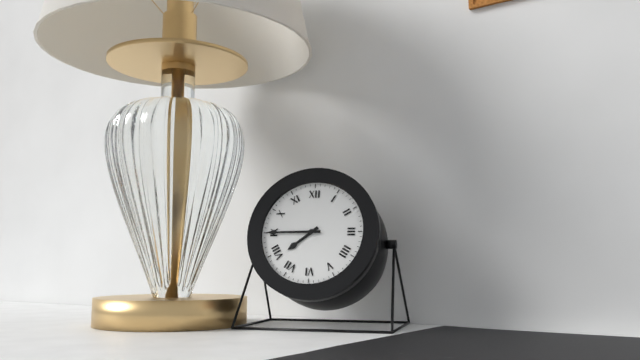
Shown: h=7 m=45
